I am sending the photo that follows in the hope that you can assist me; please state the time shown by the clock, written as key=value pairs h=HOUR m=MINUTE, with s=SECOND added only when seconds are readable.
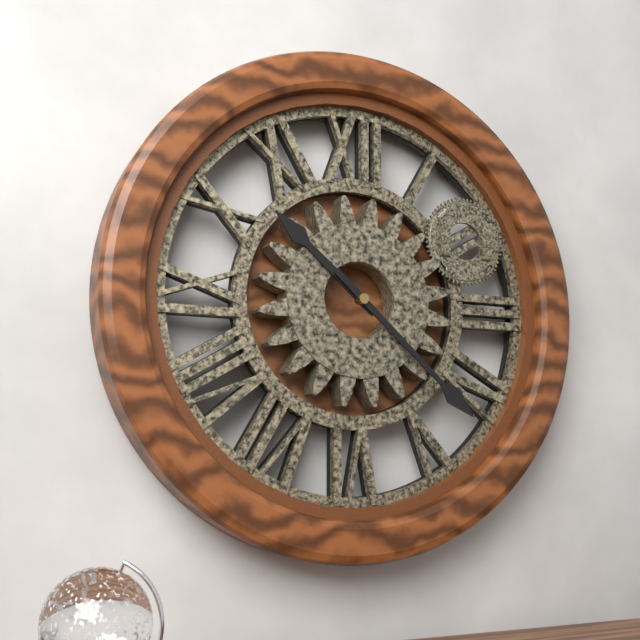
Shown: h=10 m=22
